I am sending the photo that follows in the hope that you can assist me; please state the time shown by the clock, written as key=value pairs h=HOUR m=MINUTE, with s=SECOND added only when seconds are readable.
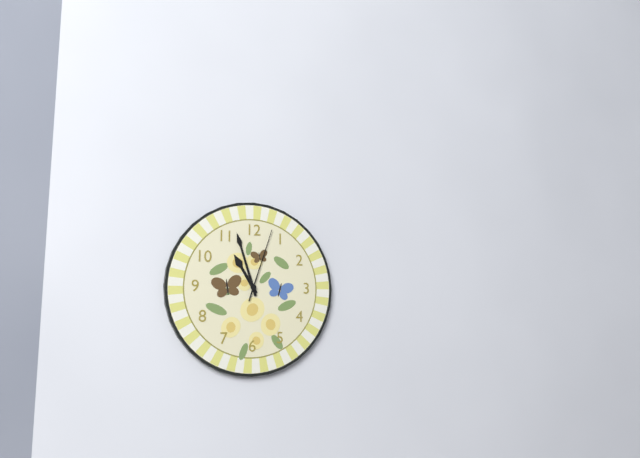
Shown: h=10 m=57 s=3
